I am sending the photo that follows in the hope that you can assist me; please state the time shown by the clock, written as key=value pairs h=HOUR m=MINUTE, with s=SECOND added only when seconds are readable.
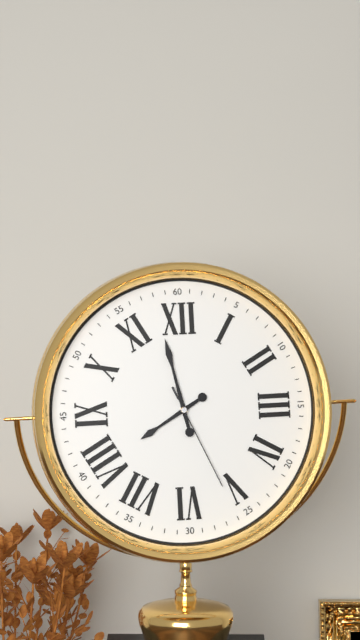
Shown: h=7 m=58 s=26
